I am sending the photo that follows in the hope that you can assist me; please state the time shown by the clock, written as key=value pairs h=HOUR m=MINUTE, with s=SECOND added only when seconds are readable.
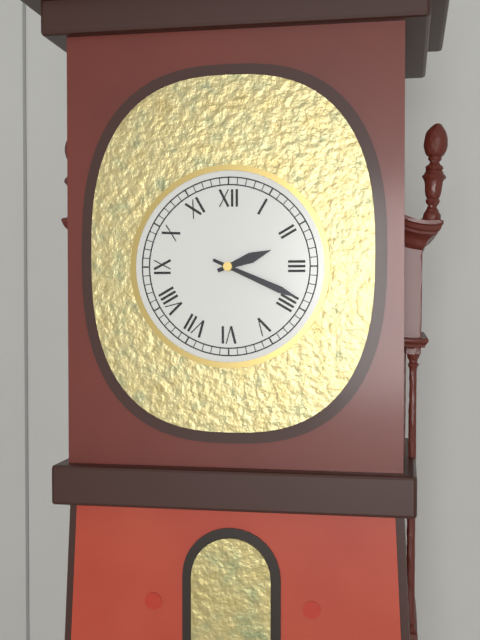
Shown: h=2 m=19
